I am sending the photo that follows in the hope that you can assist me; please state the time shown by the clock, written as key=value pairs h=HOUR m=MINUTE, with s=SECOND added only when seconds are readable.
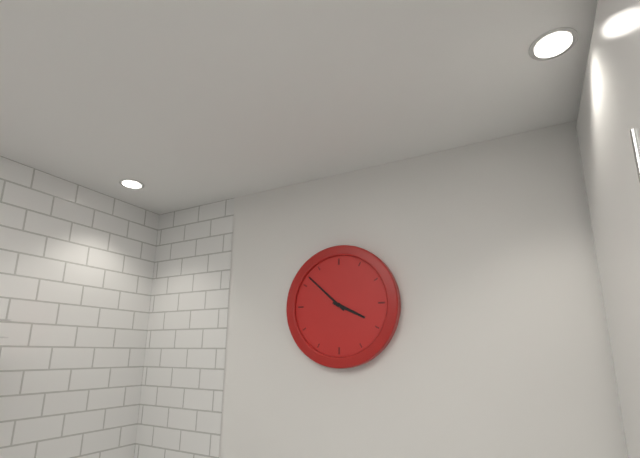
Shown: h=3 m=52
